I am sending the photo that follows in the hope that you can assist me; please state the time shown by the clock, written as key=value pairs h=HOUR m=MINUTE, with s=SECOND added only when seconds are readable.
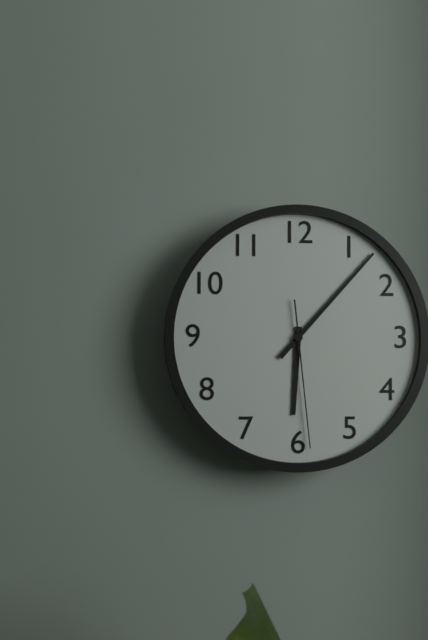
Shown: h=6 m=7 s=29
